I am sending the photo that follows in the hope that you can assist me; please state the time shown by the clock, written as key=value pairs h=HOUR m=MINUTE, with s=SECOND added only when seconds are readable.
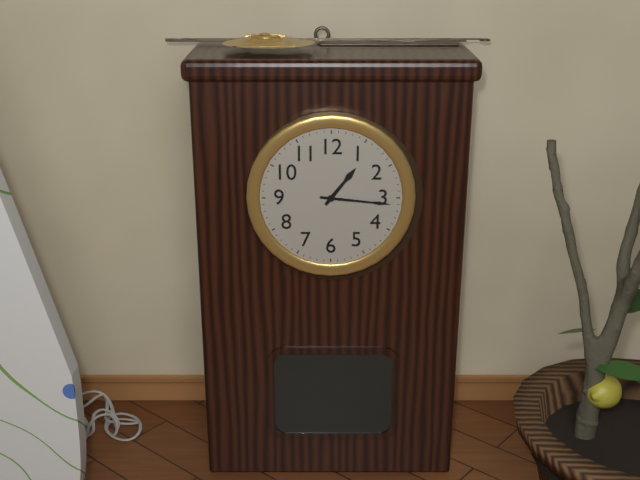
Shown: h=1 m=16
